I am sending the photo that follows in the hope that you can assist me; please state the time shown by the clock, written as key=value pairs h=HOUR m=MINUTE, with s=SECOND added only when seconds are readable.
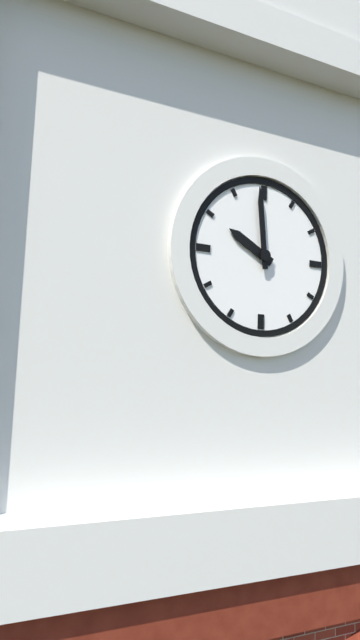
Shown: h=9 m=59
